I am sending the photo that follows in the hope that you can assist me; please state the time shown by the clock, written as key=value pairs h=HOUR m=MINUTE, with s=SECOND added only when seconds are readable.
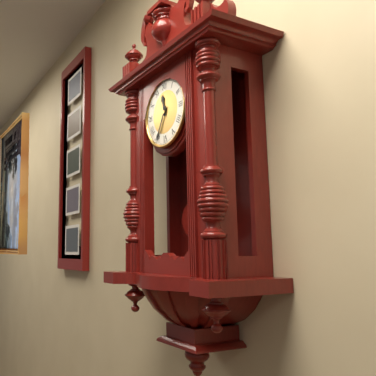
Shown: h=11 m=35
